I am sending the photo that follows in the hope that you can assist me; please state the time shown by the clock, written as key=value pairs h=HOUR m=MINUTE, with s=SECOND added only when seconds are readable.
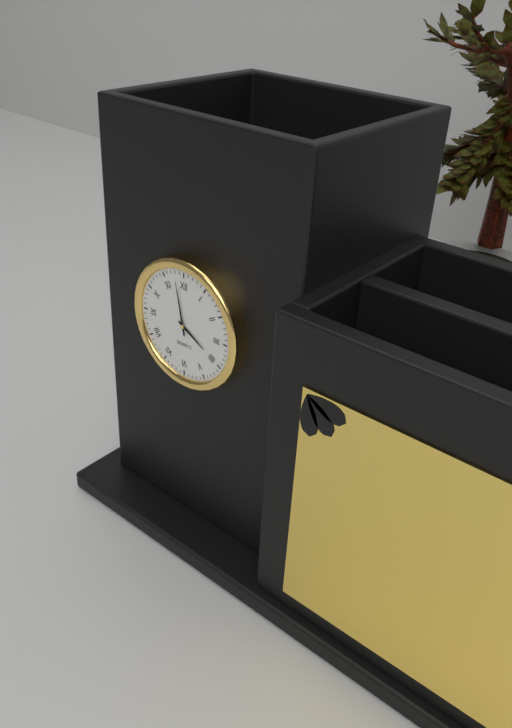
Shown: h=3 m=58
